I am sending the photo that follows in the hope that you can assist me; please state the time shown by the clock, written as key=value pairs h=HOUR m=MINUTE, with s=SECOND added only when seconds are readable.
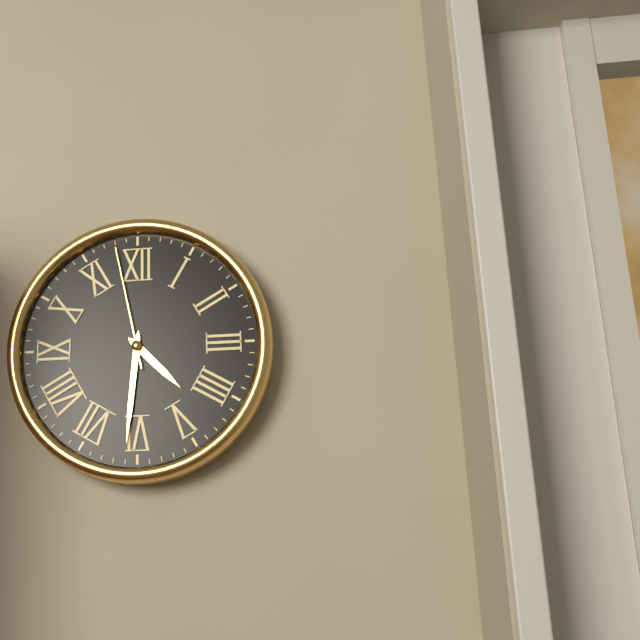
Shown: h=4 m=31 s=58
